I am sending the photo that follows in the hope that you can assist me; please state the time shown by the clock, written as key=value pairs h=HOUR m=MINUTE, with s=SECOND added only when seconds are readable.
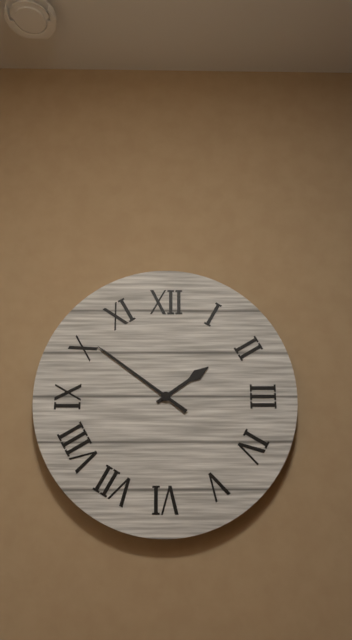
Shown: h=1 m=51
